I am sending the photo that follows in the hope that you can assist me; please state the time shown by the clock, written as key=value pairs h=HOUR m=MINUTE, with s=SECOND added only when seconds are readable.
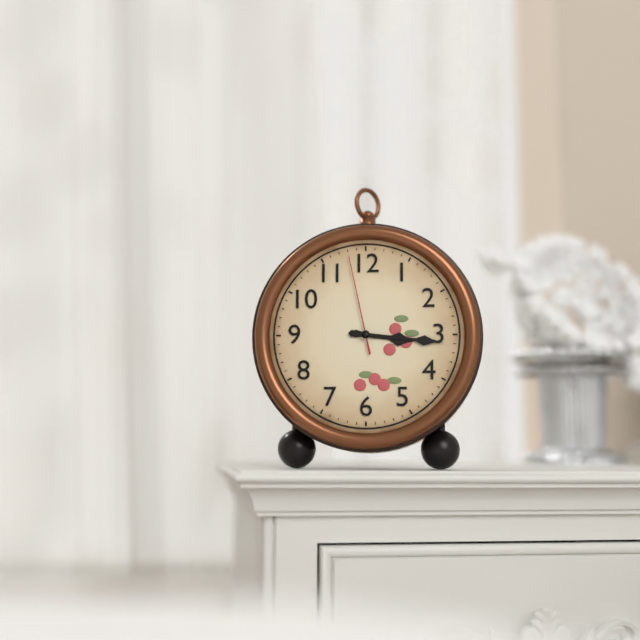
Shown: h=3 m=16 s=58
